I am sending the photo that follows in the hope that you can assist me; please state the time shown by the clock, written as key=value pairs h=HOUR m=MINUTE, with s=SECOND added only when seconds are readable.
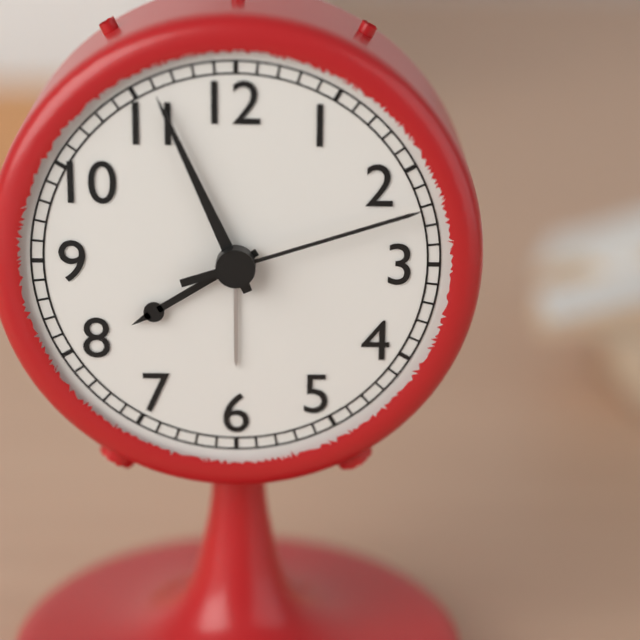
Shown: h=7 m=56 s=12
